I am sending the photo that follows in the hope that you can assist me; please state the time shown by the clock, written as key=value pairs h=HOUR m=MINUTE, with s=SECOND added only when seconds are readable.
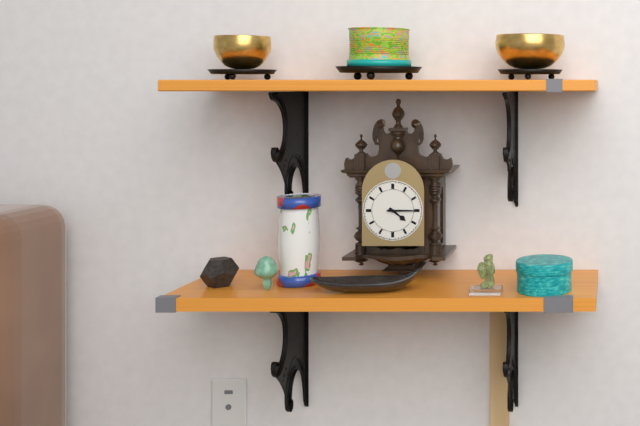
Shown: h=4 m=15
